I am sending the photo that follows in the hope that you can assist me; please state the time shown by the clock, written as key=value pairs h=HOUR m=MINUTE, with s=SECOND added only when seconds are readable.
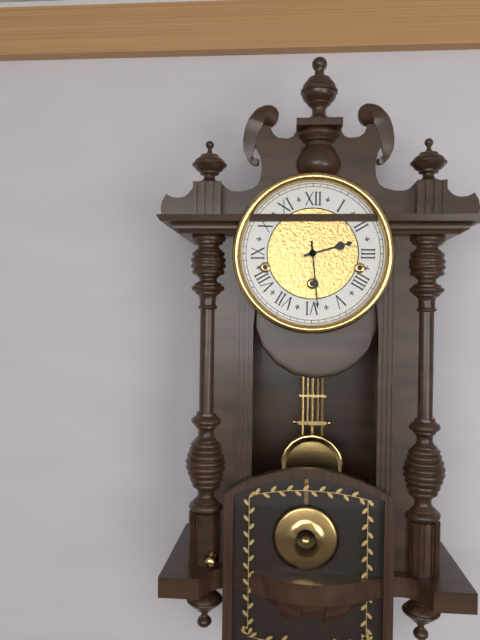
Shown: h=2 m=29
